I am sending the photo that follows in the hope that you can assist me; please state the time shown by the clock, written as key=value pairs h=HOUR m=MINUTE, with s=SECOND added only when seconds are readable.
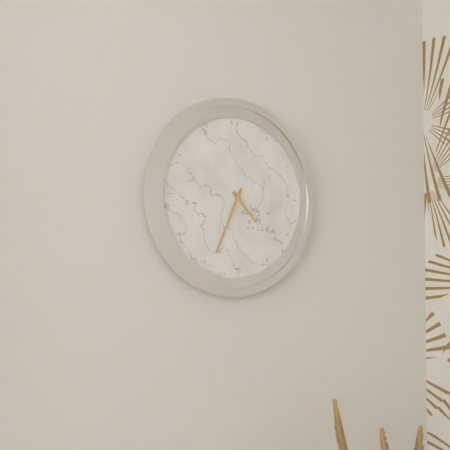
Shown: h=4 m=34
